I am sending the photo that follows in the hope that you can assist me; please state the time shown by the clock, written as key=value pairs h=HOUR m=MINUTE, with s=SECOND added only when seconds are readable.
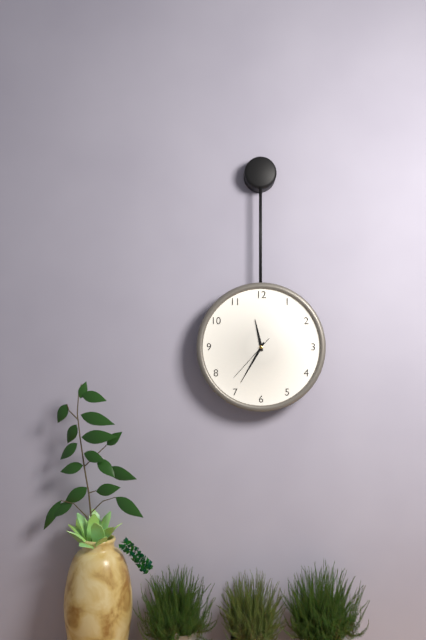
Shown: h=11 m=35 s=37
